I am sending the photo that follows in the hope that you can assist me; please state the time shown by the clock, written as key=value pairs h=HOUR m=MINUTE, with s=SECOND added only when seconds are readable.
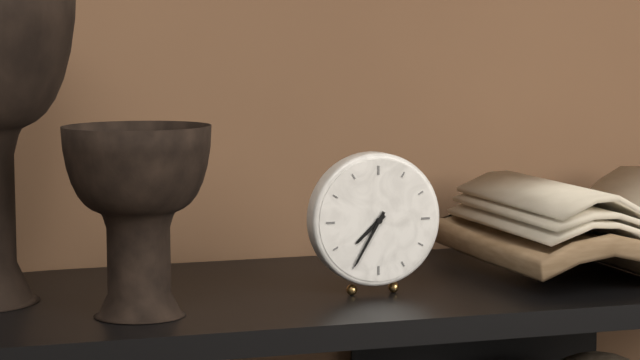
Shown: h=7 m=35
